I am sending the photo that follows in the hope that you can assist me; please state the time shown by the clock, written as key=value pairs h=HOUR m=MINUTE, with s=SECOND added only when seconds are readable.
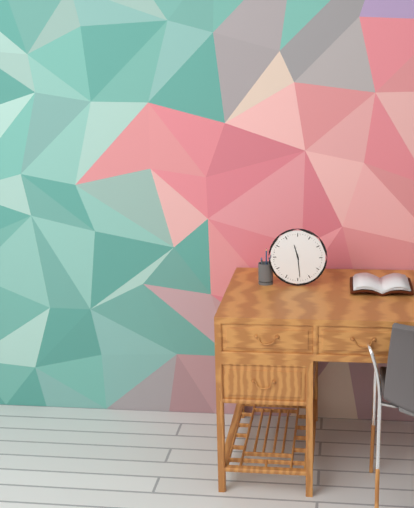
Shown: h=11 m=29
